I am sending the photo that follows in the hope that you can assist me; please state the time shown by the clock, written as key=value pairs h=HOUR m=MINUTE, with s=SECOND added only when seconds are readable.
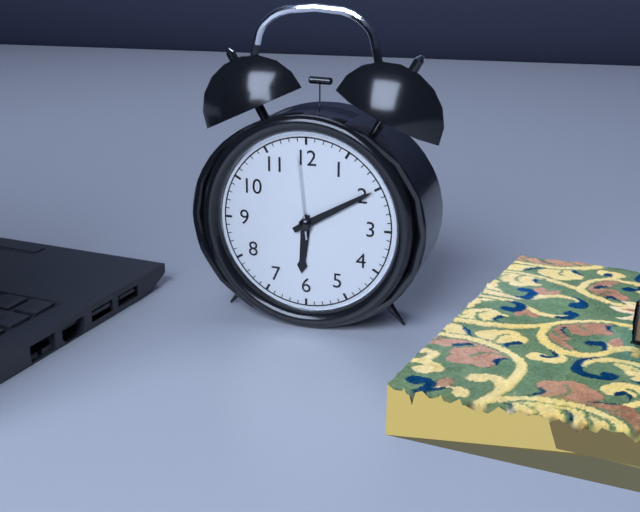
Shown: h=6 m=10 s=59
